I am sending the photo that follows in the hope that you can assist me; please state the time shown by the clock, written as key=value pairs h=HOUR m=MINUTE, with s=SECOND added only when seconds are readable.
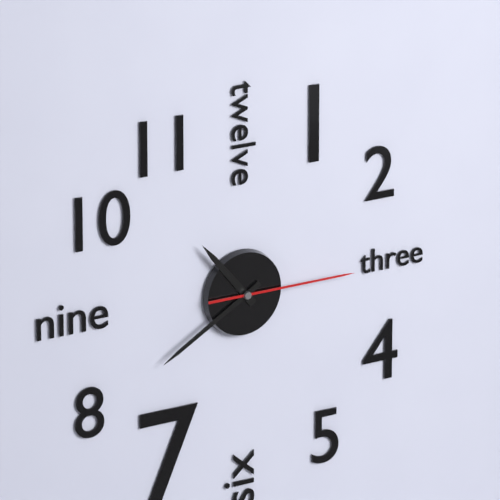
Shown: h=10 m=40 s=15
